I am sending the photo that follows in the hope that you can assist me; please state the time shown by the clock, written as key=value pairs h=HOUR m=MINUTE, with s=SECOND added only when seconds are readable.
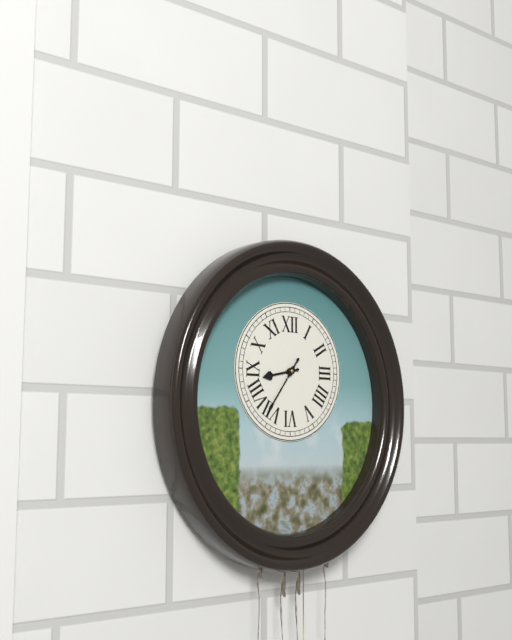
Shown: h=8 m=36
